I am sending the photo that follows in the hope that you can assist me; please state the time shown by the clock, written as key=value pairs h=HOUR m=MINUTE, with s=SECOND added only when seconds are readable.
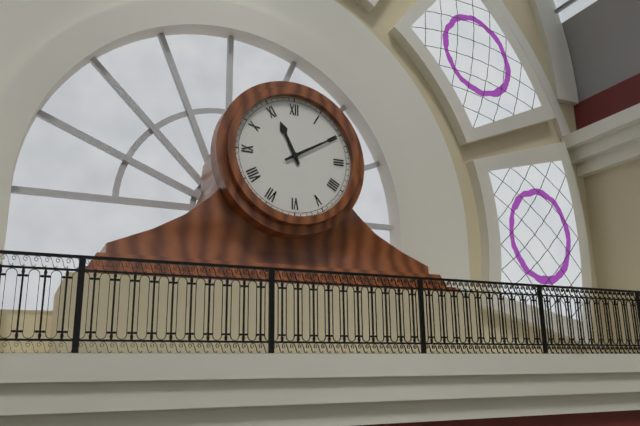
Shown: h=11 m=10
